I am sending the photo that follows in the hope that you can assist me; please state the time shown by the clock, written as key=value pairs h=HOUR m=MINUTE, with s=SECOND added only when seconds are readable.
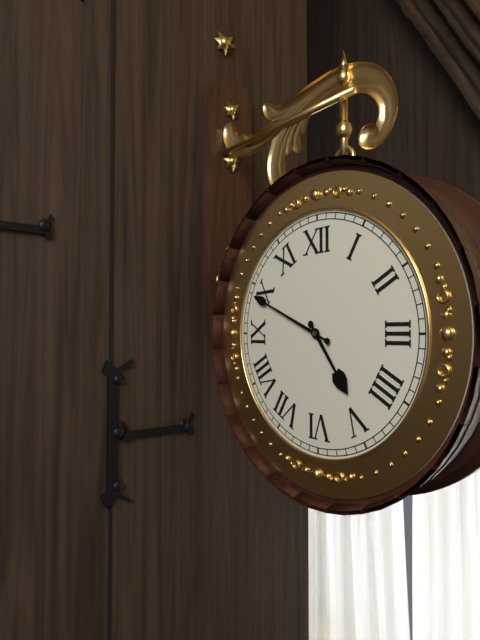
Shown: h=4 m=49
